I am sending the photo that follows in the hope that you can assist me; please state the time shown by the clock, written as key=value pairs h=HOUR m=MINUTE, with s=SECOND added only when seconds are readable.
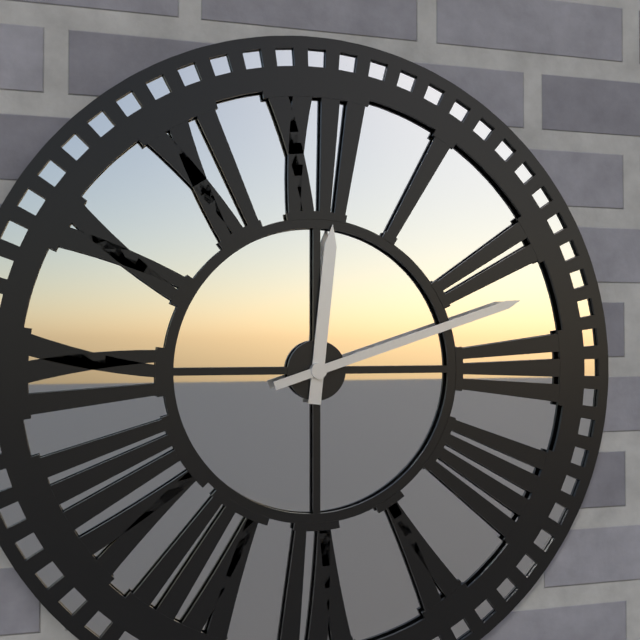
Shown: h=12 m=12
